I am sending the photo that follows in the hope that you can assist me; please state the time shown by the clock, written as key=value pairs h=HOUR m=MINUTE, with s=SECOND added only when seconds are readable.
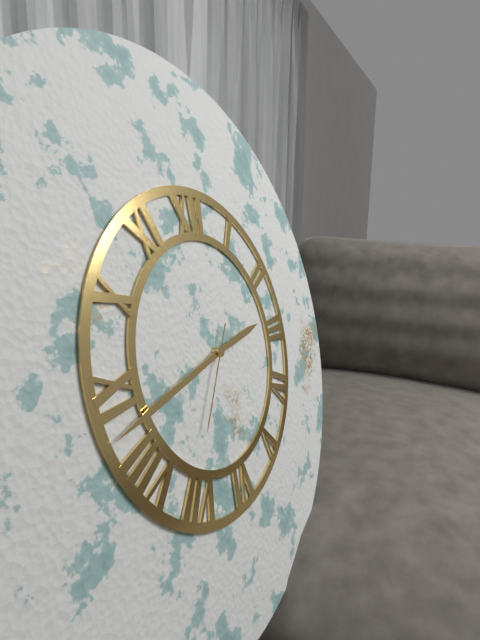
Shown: h=2 m=43 s=36
